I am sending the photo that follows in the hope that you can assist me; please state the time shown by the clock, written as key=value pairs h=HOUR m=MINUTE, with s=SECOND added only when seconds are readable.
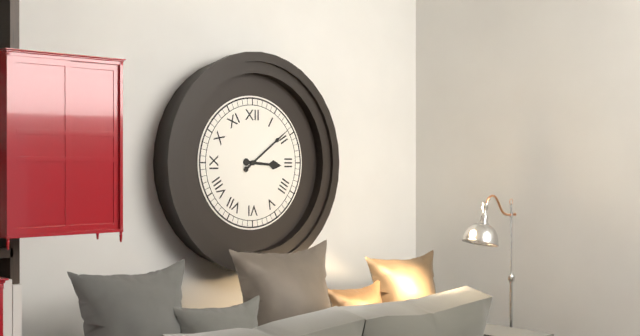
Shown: h=3 m=9
